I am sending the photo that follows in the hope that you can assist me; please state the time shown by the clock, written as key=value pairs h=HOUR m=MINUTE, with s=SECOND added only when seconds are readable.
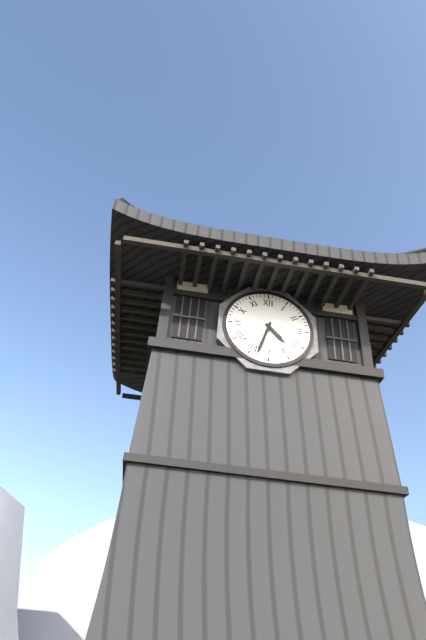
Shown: h=4 m=33
